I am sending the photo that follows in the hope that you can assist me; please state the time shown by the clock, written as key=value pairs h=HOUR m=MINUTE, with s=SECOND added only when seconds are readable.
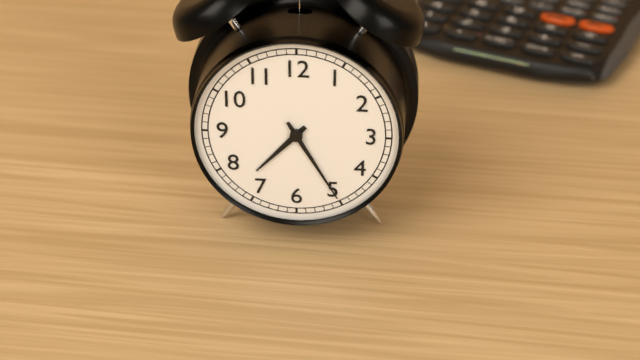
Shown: h=7 m=25
